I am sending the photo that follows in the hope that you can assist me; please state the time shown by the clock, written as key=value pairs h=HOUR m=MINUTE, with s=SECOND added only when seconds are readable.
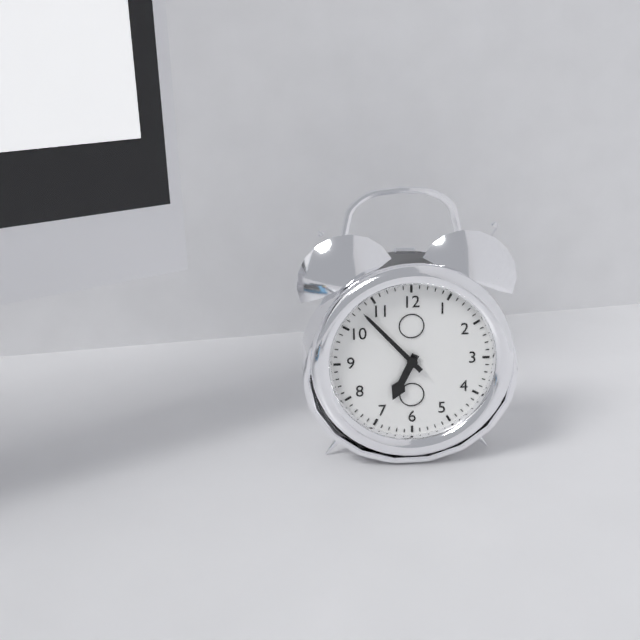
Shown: h=6 m=53
